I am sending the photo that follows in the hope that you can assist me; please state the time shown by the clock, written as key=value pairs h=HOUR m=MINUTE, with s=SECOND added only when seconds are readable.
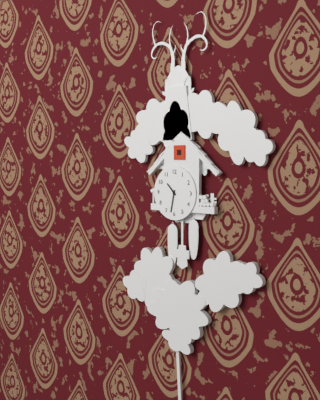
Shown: h=10 m=32
